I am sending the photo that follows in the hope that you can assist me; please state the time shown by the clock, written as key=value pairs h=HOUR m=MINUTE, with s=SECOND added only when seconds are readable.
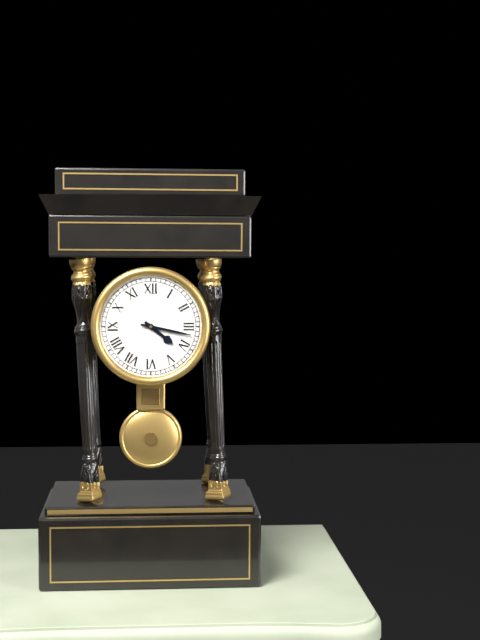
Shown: h=4 m=17
